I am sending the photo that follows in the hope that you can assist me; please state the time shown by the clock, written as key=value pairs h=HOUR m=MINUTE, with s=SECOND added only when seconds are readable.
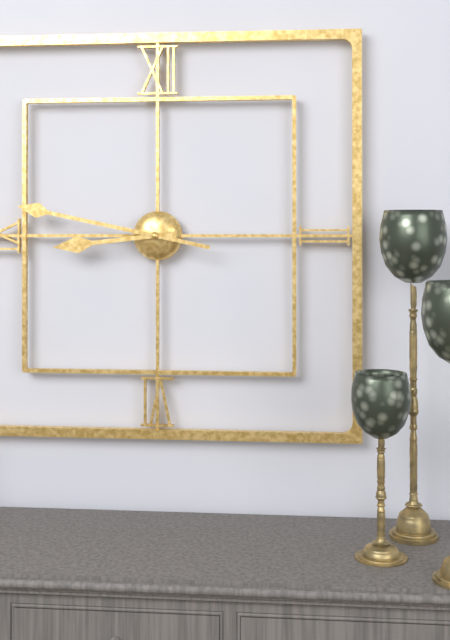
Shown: h=8 m=47
